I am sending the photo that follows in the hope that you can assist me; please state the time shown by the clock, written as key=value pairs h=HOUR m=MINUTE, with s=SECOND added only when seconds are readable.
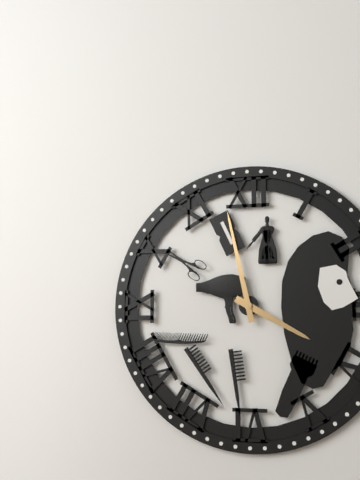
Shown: h=3 m=58
